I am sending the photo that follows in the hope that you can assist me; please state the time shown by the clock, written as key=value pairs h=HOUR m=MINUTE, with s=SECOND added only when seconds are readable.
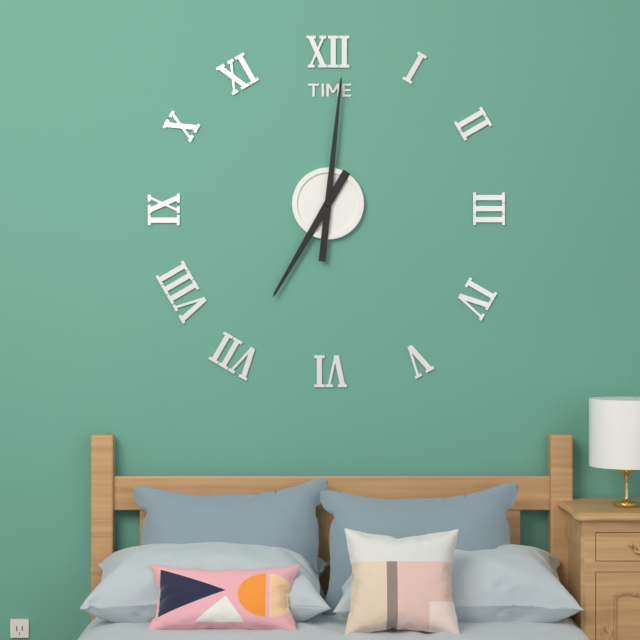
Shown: h=7 m=1
